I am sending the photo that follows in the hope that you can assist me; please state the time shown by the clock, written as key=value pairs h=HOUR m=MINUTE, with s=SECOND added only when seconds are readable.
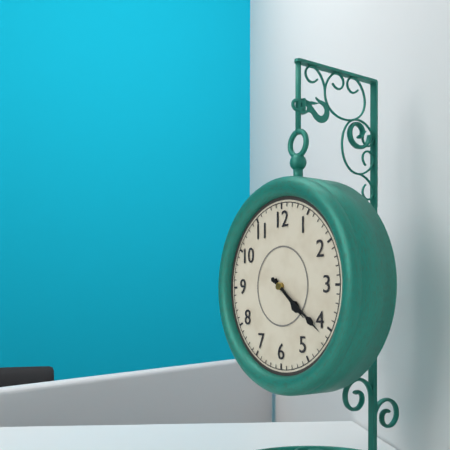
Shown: h=4 m=21
